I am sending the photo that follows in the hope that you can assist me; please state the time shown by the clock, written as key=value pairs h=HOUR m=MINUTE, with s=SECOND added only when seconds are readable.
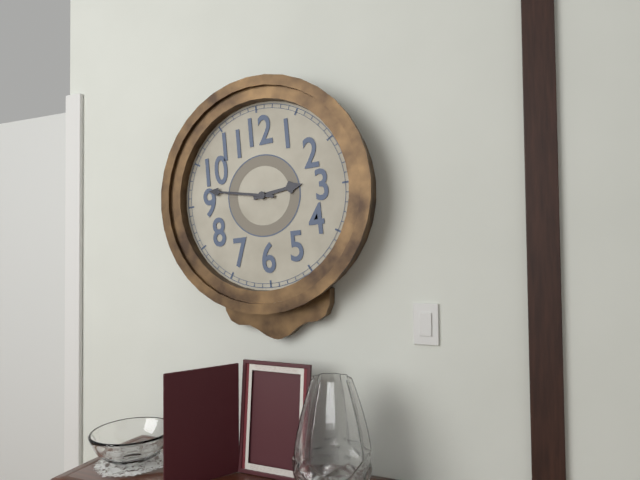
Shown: h=2 m=47
